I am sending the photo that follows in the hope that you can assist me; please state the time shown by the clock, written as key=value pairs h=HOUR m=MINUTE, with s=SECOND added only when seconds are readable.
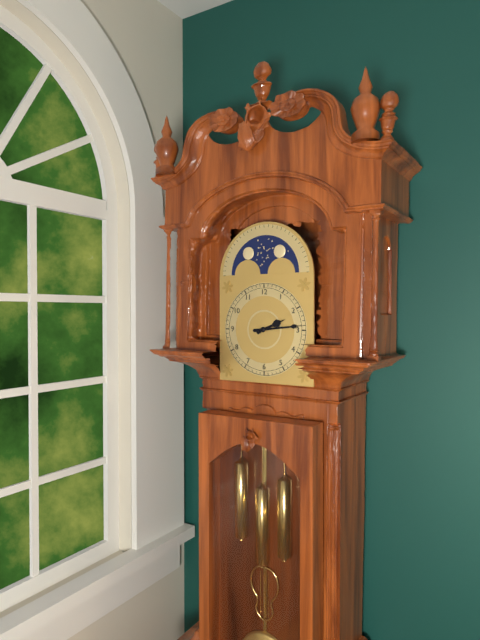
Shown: h=2 m=14
